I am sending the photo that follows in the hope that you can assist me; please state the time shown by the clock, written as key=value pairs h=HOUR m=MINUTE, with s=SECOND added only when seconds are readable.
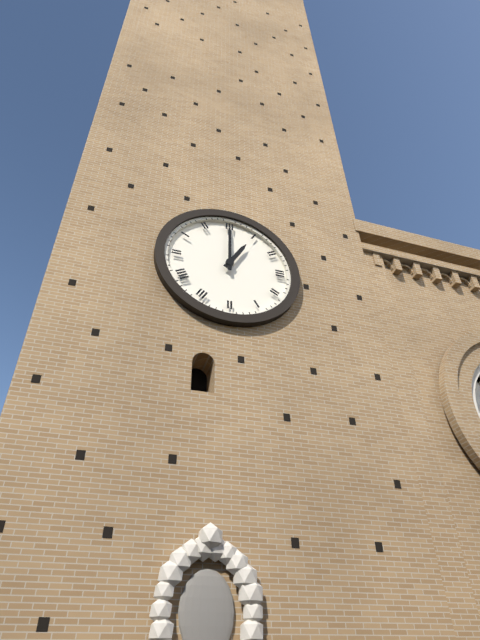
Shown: h=1 m=0
